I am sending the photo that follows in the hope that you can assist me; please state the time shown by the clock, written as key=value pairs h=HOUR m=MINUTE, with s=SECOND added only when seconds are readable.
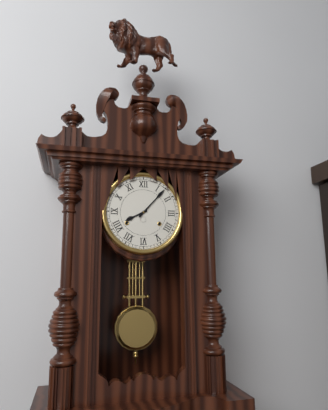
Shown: h=8 m=7
